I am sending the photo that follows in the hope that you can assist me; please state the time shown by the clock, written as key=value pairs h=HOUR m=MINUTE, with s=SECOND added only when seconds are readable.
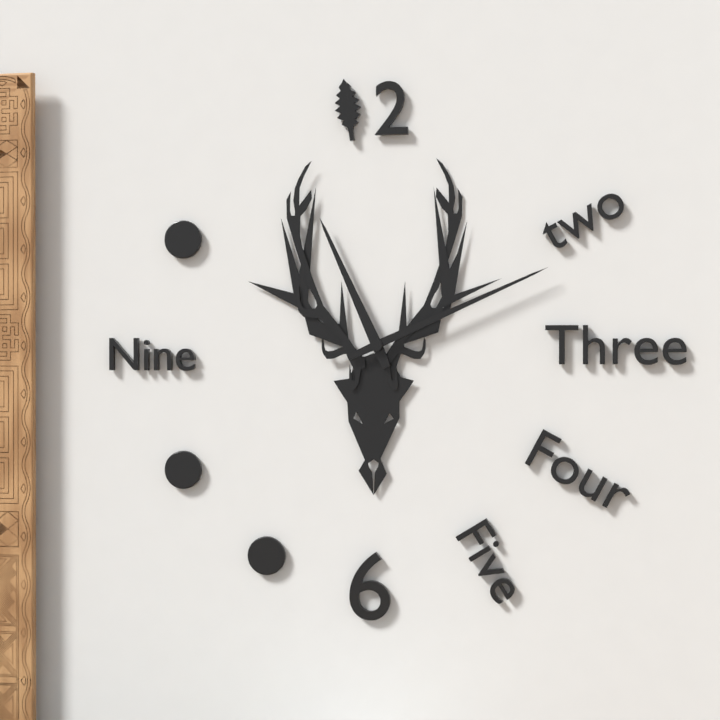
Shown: h=11 m=11
